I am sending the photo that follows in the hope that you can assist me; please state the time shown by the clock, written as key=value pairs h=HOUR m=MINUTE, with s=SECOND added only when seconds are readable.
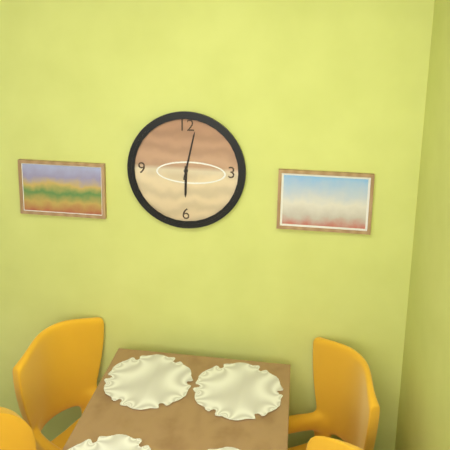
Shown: h=6 m=2
